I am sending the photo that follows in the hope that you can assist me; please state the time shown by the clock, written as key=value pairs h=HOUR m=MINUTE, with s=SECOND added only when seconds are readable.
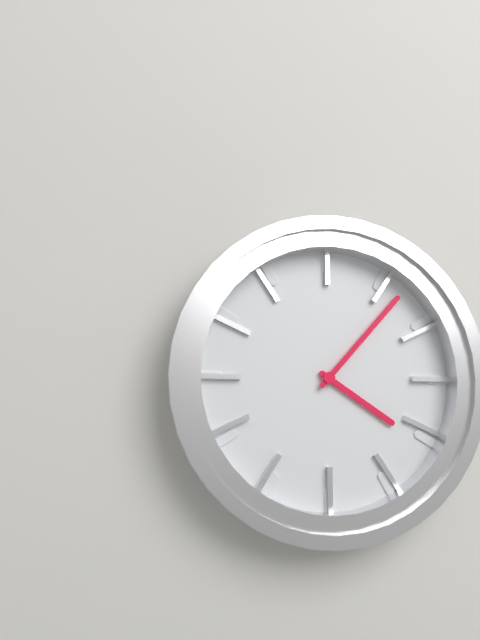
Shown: h=4 m=7
